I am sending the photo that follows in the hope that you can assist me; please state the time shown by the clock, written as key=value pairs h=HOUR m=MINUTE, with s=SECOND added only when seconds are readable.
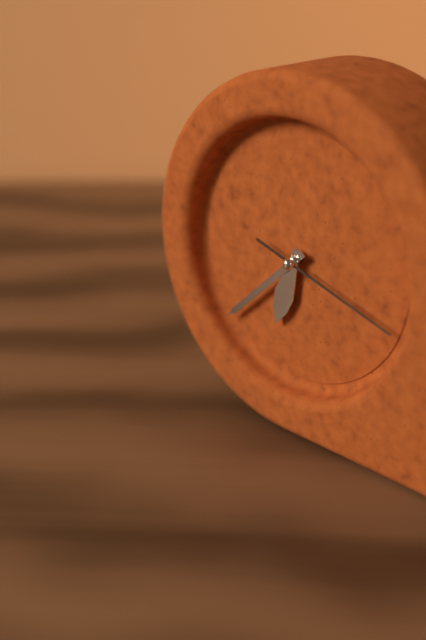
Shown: h=6 m=38 s=18
